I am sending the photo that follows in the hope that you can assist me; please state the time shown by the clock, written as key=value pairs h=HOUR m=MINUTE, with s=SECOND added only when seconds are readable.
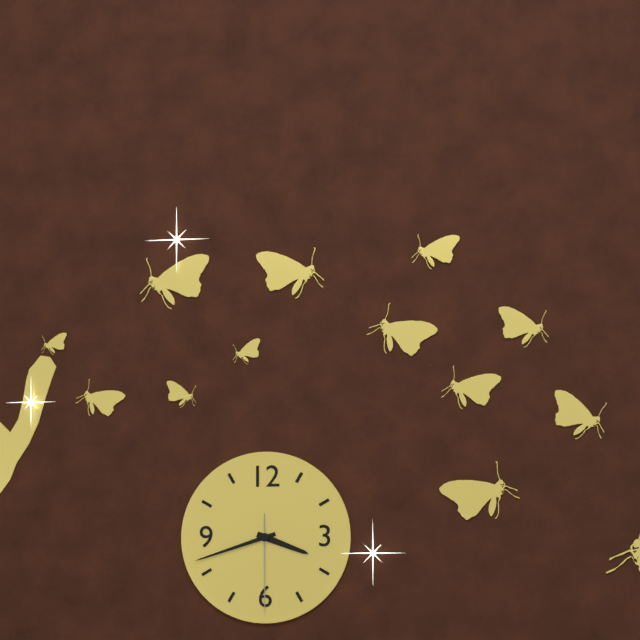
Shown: h=3 m=42 s=30
